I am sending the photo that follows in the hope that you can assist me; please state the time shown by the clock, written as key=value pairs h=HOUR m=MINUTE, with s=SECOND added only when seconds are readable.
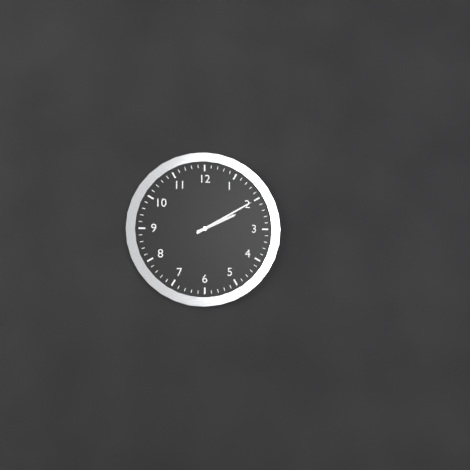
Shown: h=2 m=10
